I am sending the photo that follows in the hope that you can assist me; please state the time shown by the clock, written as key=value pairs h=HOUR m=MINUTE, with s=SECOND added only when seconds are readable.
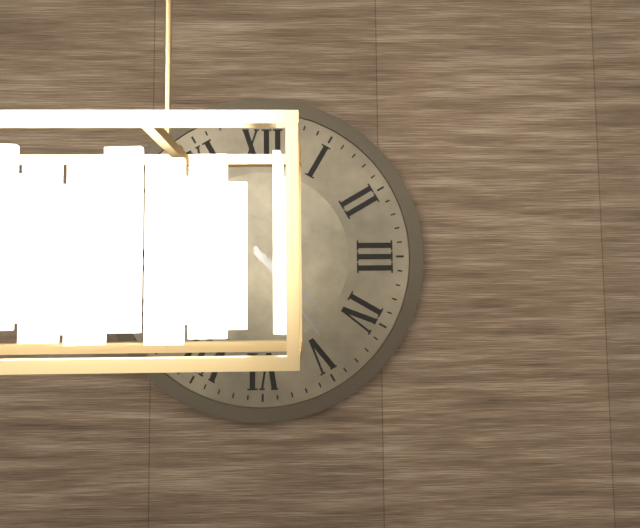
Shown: h=4 m=24
